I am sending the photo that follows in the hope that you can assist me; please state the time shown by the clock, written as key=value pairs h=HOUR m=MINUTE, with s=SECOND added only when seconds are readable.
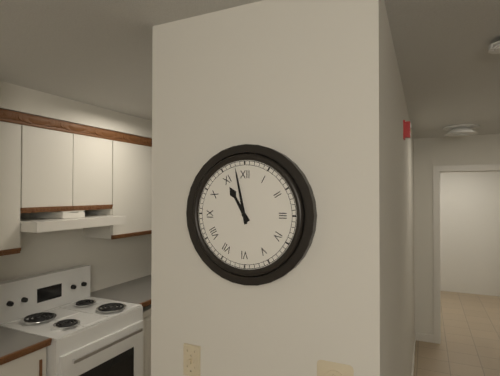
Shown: h=10 m=58
